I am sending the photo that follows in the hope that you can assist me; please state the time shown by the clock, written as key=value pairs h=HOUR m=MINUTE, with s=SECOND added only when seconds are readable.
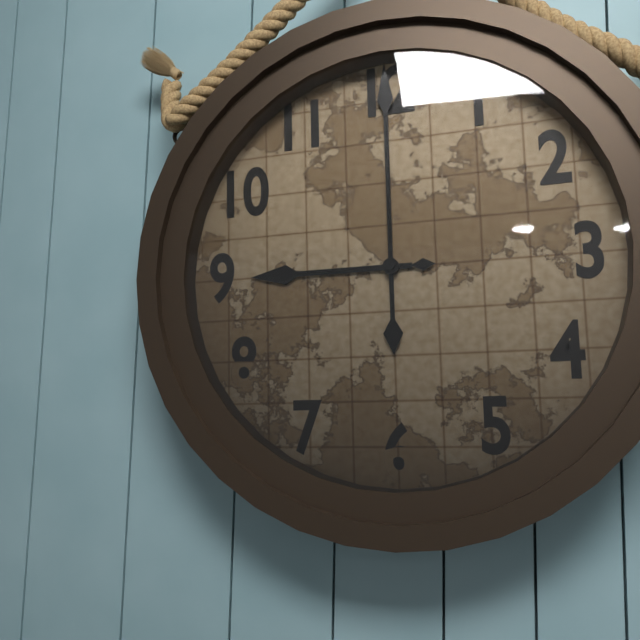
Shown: h=9 m=0
